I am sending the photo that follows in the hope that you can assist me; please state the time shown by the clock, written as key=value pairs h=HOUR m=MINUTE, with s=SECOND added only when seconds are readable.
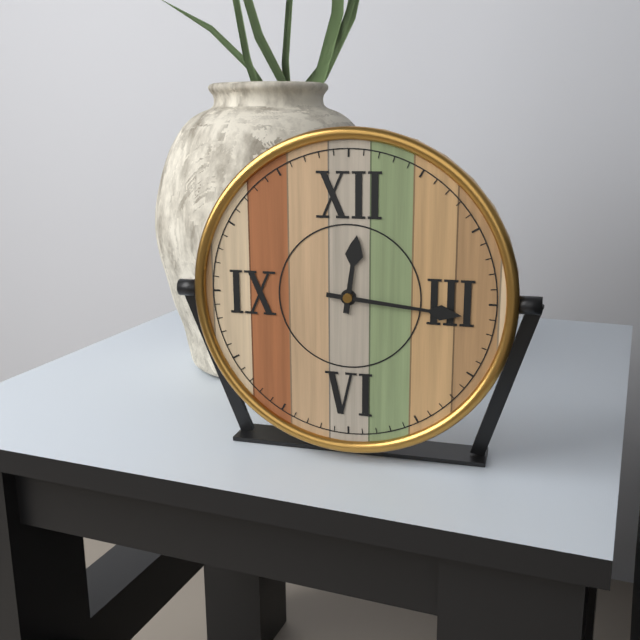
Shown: h=12 m=16
